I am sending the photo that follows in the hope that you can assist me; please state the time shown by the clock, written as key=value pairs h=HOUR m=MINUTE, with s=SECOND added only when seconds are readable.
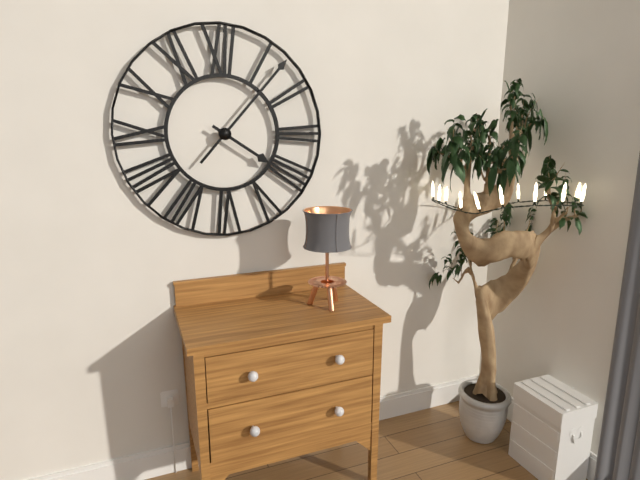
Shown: h=4 m=7
